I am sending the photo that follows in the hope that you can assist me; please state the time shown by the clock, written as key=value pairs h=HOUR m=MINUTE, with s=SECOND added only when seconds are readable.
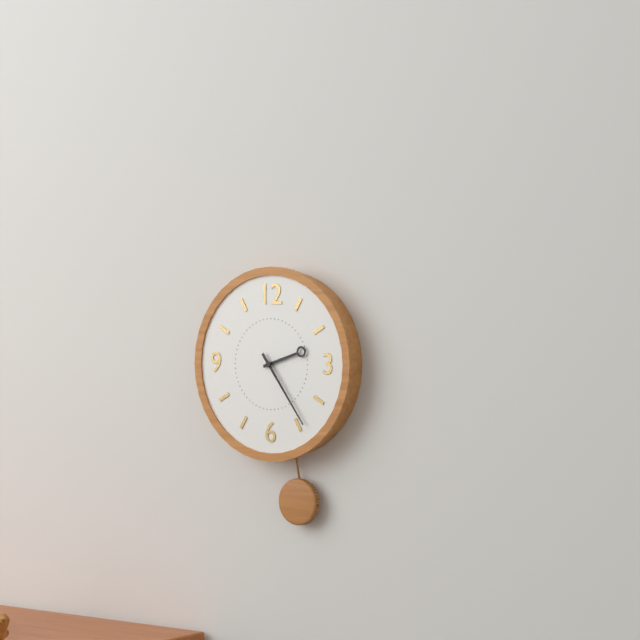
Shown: h=2 m=24
